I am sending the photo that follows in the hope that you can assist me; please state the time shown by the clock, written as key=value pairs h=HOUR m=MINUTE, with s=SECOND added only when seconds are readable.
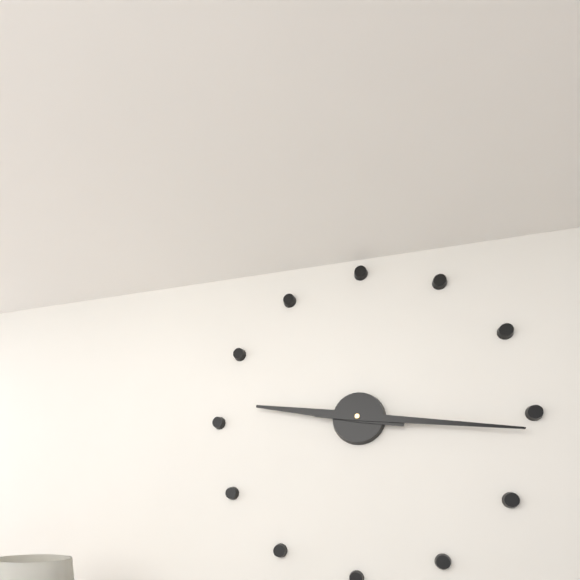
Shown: h=9 m=16
